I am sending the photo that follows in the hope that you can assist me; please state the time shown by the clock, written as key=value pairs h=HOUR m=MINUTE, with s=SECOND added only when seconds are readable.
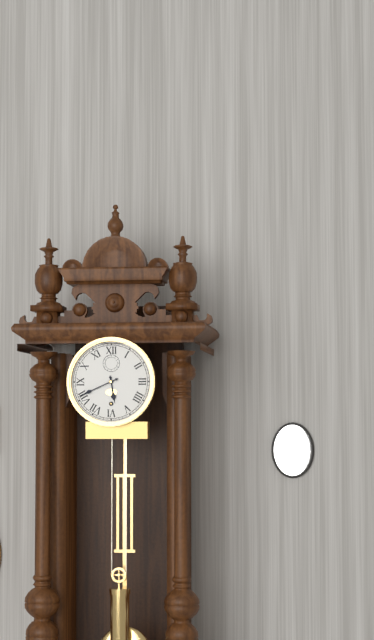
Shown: h=5 m=41
